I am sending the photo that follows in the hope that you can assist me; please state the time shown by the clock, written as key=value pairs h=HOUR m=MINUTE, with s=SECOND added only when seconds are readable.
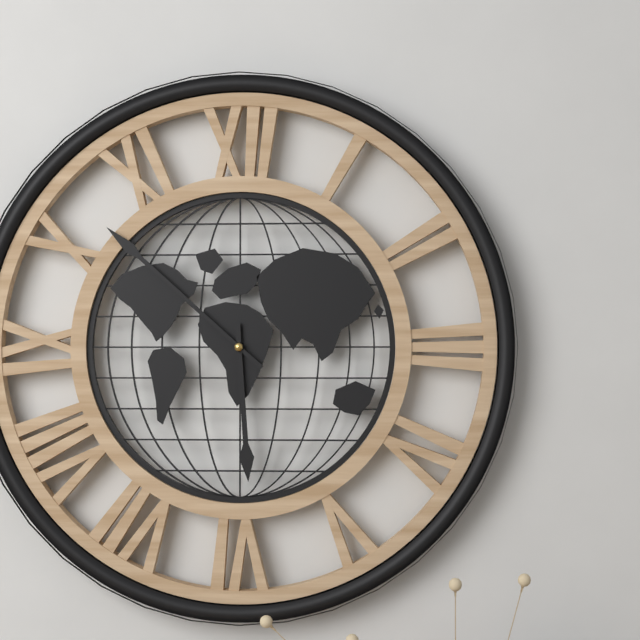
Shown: h=5 m=52
